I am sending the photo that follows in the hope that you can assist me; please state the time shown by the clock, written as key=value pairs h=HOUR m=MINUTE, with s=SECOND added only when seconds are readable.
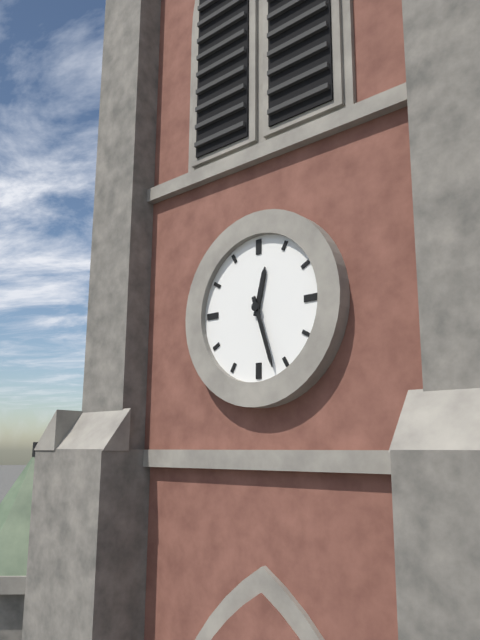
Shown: h=12 m=27
